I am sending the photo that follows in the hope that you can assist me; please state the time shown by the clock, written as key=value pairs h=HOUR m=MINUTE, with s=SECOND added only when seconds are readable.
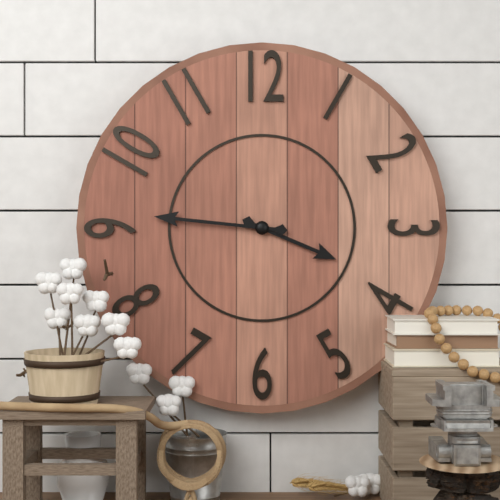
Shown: h=3 m=46
